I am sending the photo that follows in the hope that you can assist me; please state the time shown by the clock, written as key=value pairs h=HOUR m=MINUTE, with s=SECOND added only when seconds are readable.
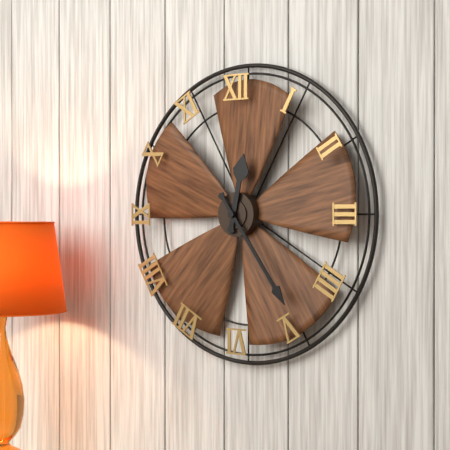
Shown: h=12 m=24
